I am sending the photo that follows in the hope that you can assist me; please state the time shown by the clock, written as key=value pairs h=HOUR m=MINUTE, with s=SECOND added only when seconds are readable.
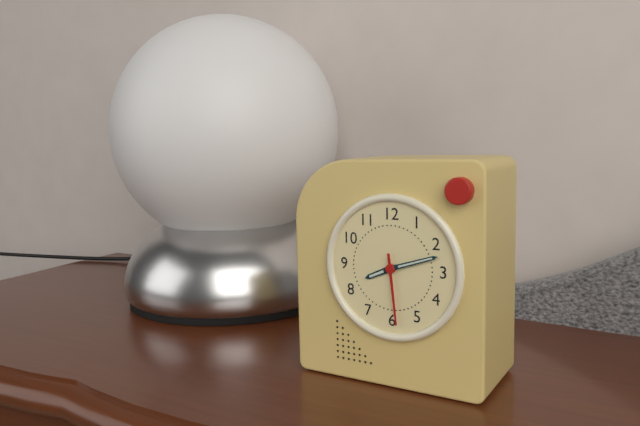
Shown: h=8 m=12 s=29
